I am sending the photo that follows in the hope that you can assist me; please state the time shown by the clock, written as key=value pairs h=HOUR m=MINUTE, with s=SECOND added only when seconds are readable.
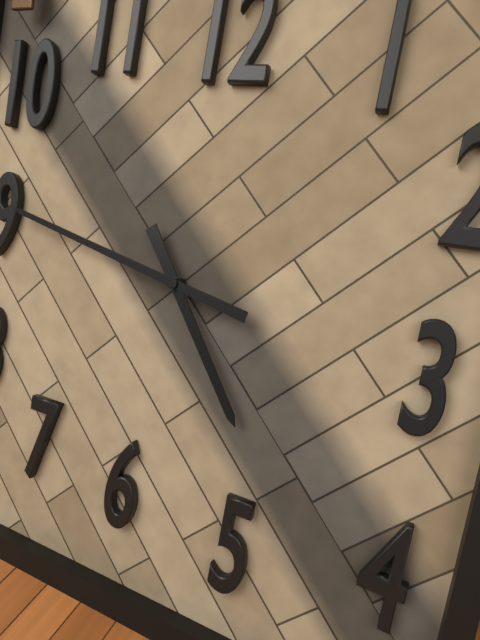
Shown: h=4 m=47
